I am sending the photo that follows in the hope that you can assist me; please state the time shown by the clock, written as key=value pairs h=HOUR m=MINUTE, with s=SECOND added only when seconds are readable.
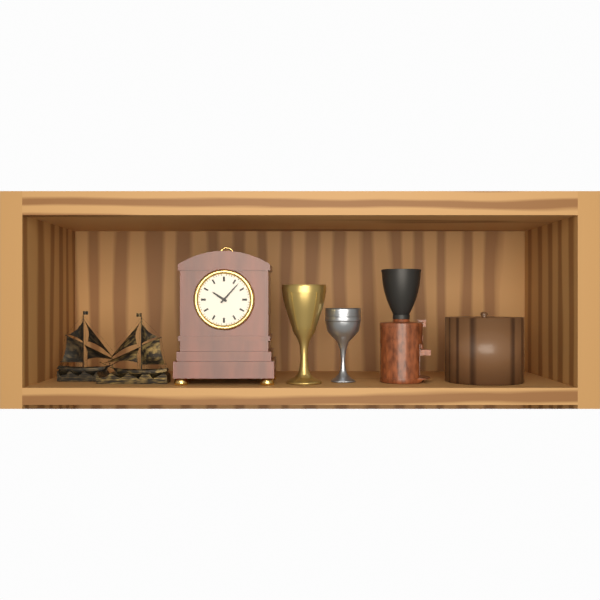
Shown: h=10 m=7
